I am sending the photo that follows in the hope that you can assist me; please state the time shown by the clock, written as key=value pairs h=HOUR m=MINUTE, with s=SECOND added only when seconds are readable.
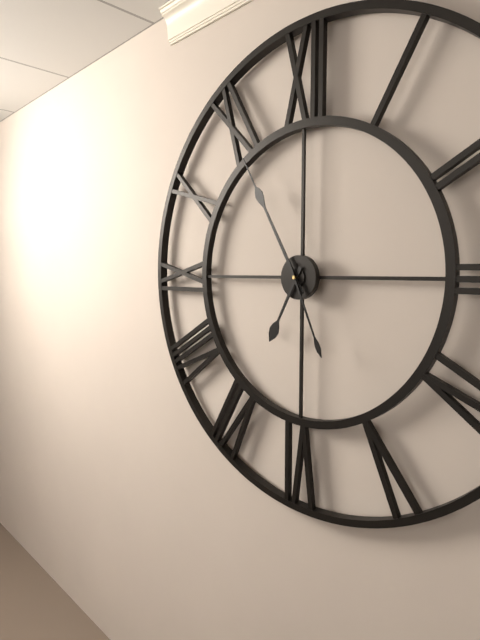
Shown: h=6 m=55 s=26
